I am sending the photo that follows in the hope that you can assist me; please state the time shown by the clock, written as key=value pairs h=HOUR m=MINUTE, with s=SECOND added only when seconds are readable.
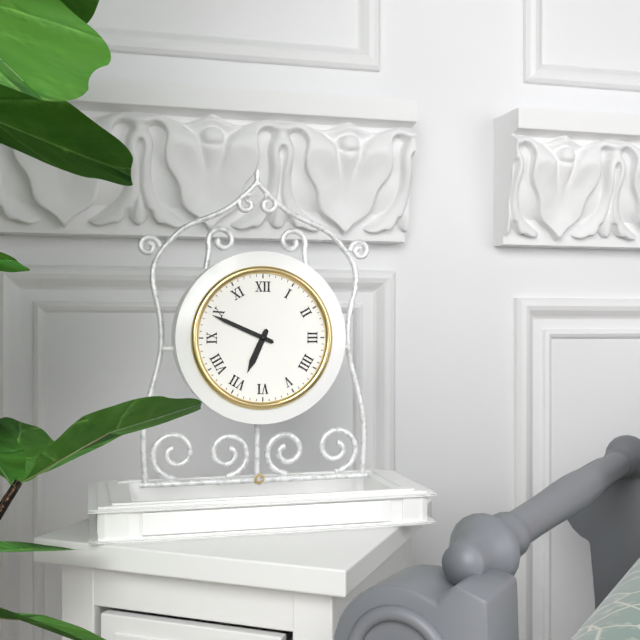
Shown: h=6 m=49
